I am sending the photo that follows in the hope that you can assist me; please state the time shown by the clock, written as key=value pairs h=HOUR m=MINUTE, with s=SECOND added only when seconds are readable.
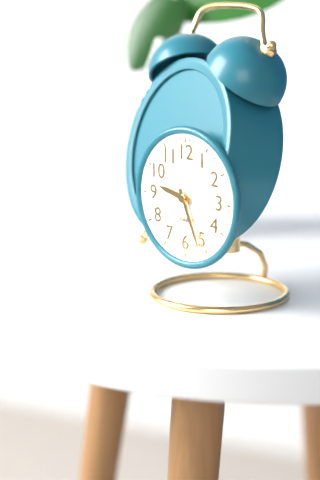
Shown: h=9 m=26
